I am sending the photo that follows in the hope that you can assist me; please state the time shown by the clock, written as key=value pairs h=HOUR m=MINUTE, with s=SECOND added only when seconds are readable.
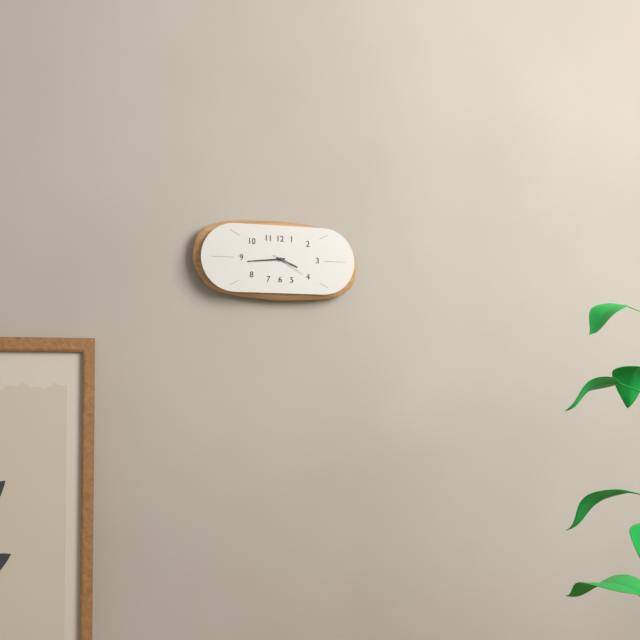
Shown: h=3 m=44
